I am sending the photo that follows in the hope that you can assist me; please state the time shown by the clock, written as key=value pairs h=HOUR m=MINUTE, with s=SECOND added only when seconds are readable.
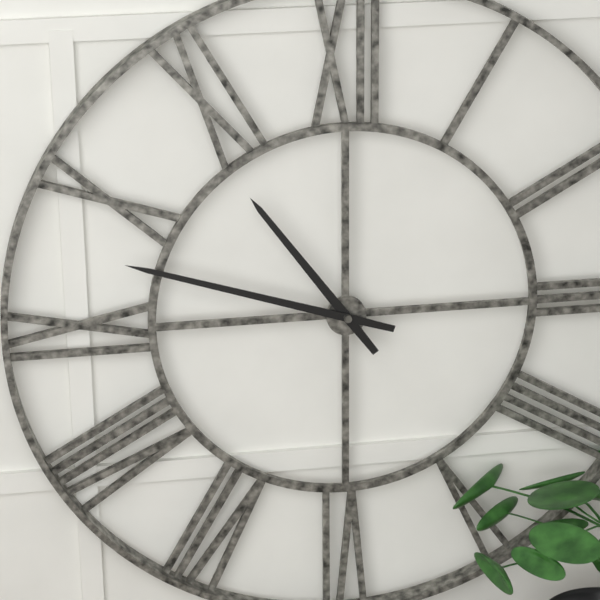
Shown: h=10 m=48
